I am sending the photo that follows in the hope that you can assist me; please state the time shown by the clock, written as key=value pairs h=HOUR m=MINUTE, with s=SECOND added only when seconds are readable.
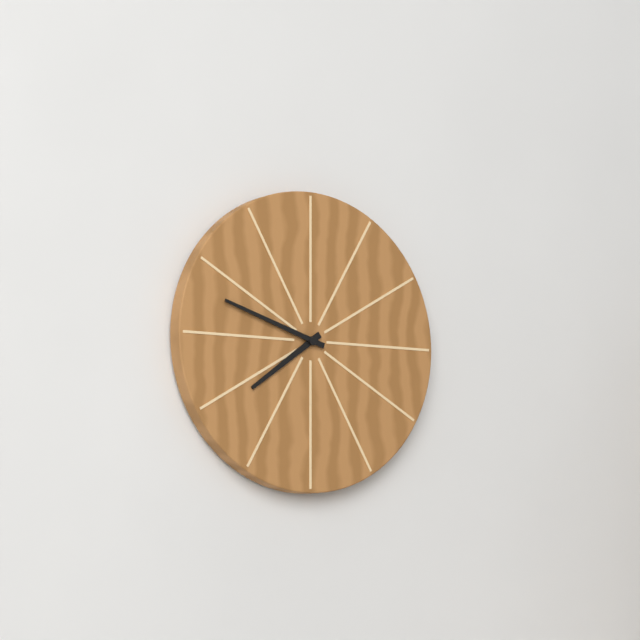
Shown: h=7 m=48
